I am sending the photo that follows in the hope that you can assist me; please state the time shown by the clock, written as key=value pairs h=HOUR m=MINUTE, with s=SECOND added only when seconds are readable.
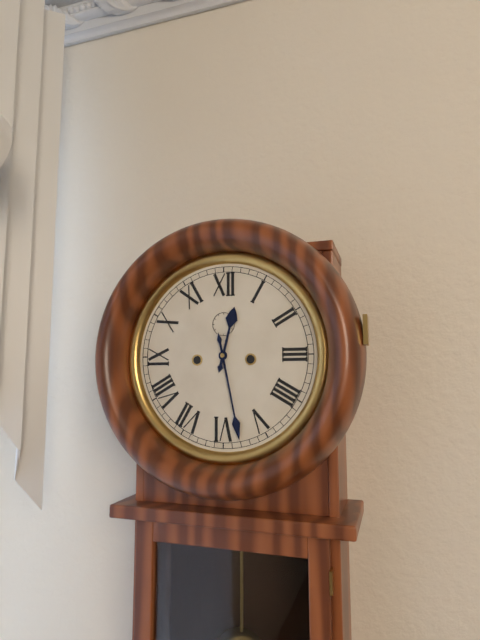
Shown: h=12 m=28
